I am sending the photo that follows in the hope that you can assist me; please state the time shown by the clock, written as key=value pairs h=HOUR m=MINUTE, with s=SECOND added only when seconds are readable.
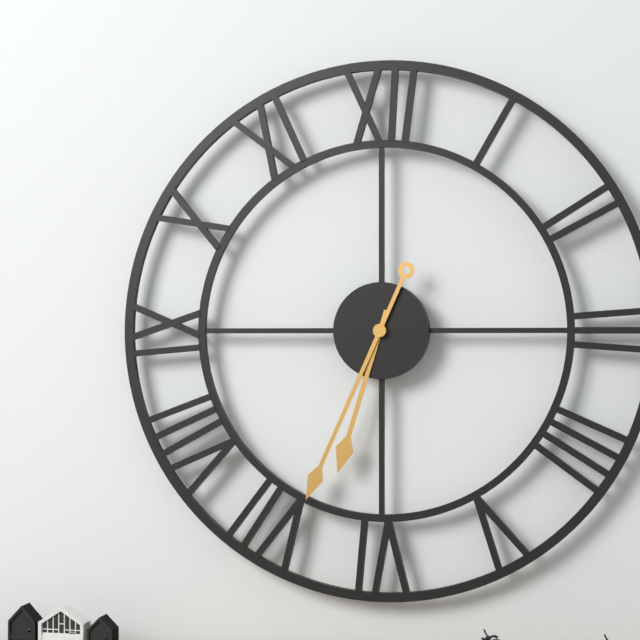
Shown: h=6 m=34
